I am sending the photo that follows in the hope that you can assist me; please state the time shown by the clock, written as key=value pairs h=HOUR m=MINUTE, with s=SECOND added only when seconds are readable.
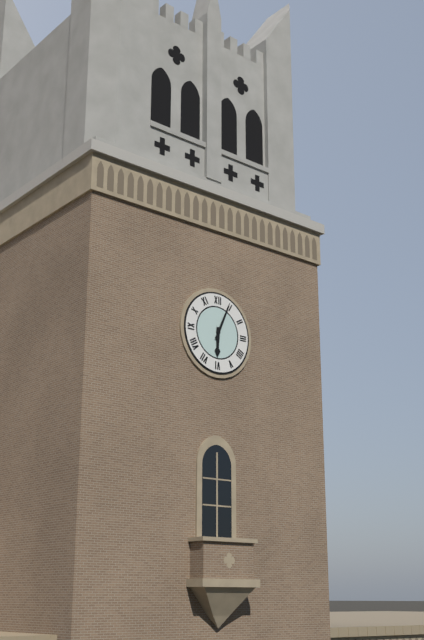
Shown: h=6 m=4
